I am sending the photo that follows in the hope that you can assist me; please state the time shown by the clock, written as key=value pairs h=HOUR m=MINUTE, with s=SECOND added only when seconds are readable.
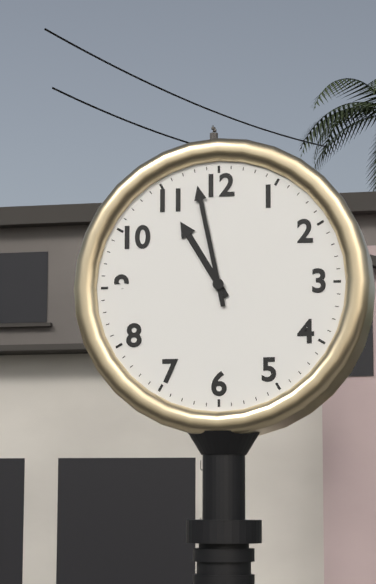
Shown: h=10 m=58
